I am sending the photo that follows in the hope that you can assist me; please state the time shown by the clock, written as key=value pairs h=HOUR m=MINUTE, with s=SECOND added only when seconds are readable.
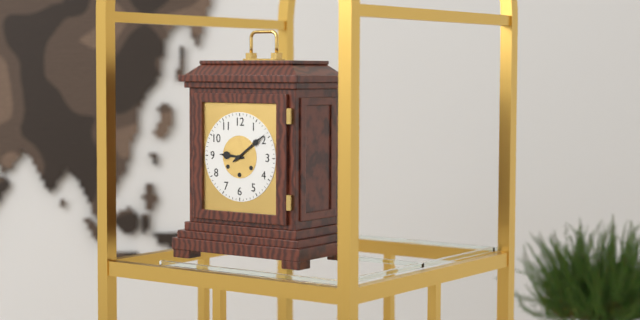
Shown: h=9 m=9
